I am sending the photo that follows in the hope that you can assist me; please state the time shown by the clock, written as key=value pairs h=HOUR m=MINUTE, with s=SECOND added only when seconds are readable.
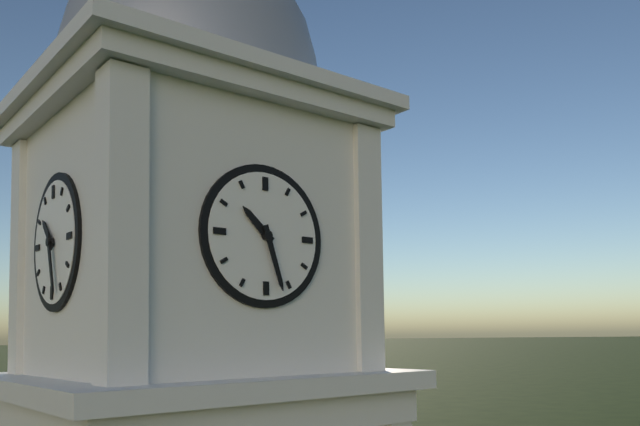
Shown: h=10 m=27
